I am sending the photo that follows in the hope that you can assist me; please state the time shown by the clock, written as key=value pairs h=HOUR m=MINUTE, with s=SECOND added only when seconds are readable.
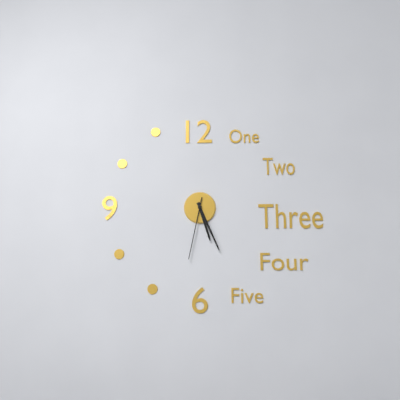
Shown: h=5 m=26 s=32
